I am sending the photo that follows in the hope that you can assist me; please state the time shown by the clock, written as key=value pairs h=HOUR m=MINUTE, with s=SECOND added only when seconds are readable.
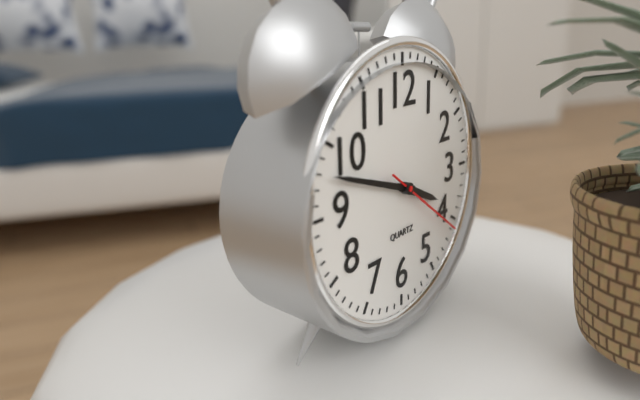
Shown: h=3 m=48 s=21
